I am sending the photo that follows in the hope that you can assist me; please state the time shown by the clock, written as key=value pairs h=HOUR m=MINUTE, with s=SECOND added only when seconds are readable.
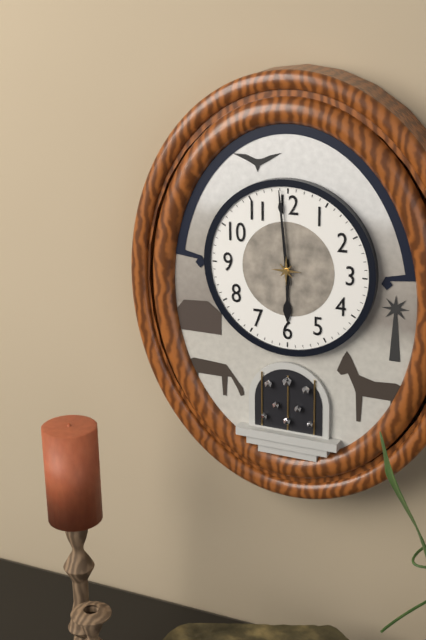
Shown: h=5 m=59
